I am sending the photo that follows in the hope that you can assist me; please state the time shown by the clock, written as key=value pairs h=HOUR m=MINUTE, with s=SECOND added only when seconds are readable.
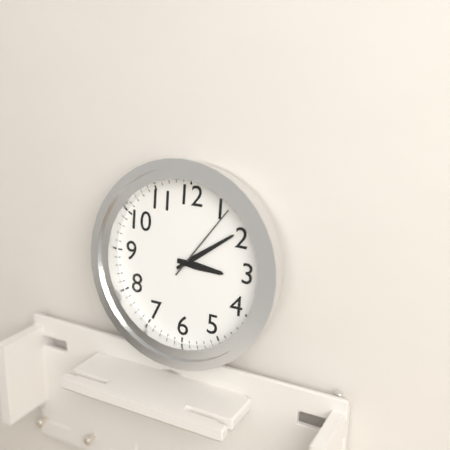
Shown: h=3 m=9 s=6
